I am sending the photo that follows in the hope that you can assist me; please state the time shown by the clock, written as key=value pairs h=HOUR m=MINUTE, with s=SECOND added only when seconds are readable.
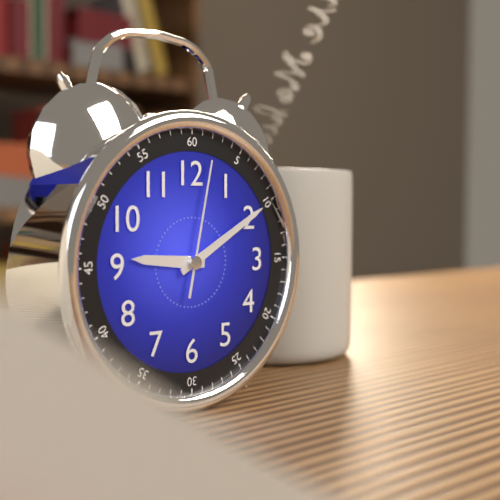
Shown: h=9 m=10 s=2
